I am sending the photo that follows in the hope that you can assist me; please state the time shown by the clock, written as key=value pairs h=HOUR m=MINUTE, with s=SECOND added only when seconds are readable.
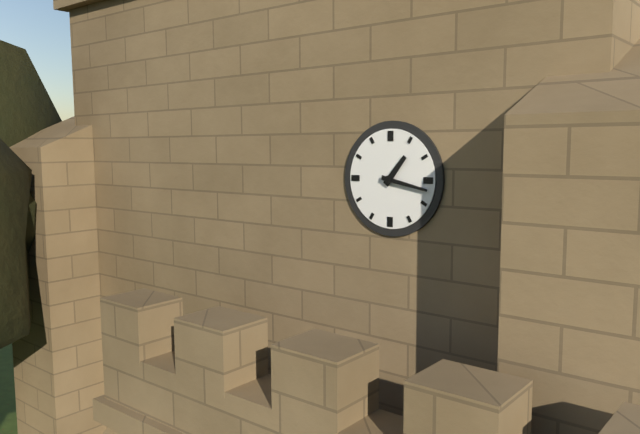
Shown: h=1 m=17
